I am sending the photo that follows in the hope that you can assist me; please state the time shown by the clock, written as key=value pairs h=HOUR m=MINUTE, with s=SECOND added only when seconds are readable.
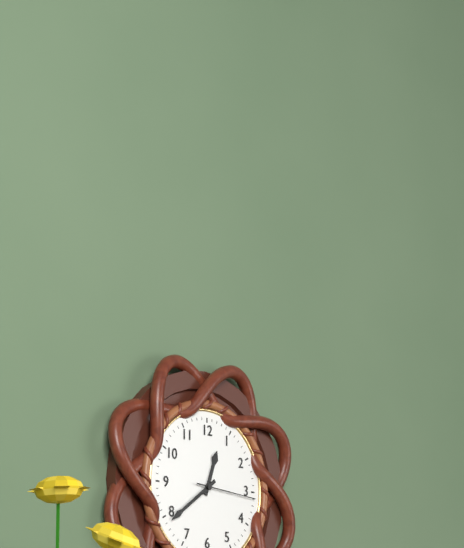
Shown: h=12 m=39 s=16
